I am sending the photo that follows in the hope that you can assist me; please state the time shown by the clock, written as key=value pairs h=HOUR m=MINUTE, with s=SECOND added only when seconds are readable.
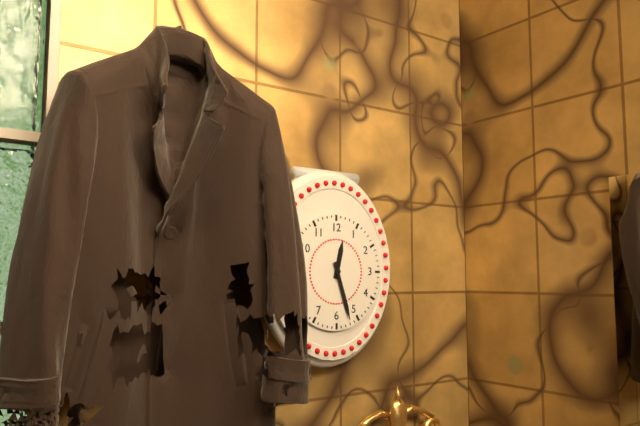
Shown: h=12 m=27
